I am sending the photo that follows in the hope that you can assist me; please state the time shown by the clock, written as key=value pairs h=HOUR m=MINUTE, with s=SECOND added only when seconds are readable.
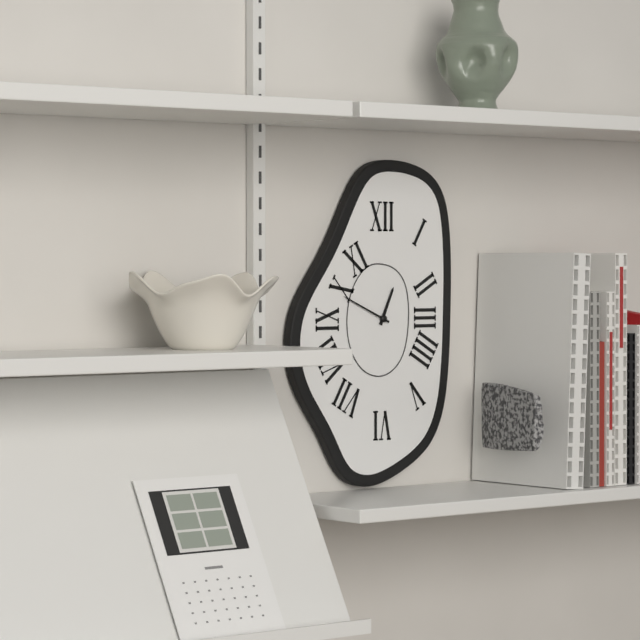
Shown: h=12 m=49
